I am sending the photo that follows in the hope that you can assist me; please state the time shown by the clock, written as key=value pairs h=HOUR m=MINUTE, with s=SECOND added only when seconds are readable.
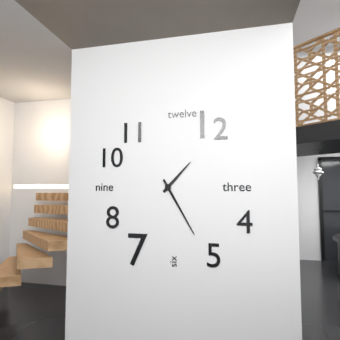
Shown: h=1 m=25
